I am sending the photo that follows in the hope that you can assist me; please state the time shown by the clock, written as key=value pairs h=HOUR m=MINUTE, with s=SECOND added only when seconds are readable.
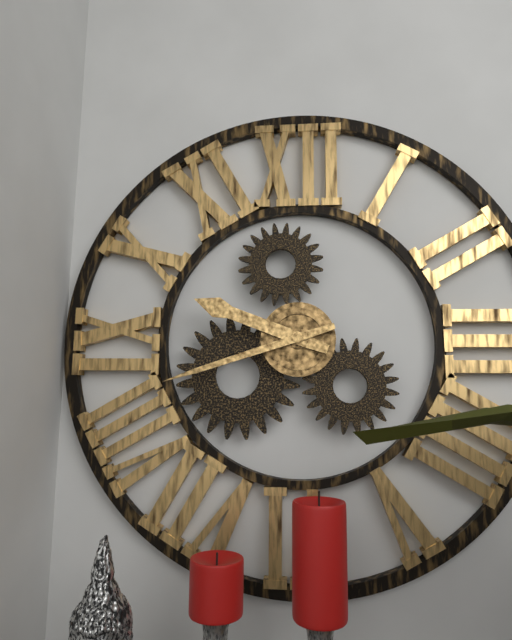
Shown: h=9 m=42
